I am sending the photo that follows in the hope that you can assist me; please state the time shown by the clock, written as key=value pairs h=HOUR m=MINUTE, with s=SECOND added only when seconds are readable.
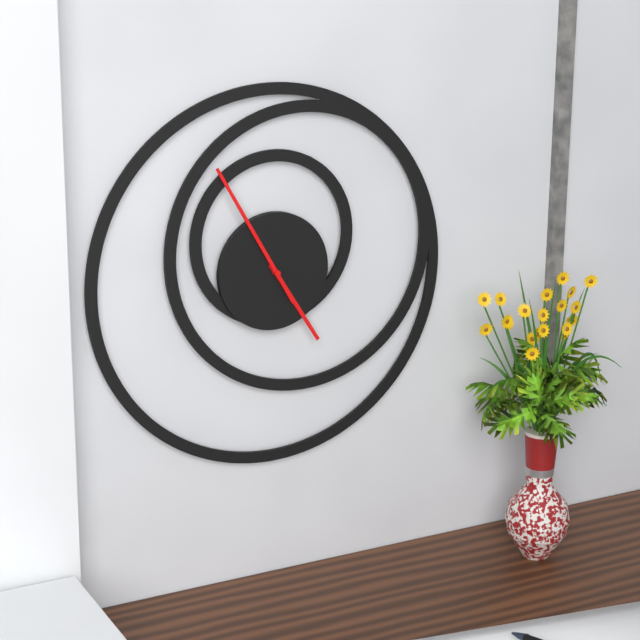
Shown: h=4 m=55
